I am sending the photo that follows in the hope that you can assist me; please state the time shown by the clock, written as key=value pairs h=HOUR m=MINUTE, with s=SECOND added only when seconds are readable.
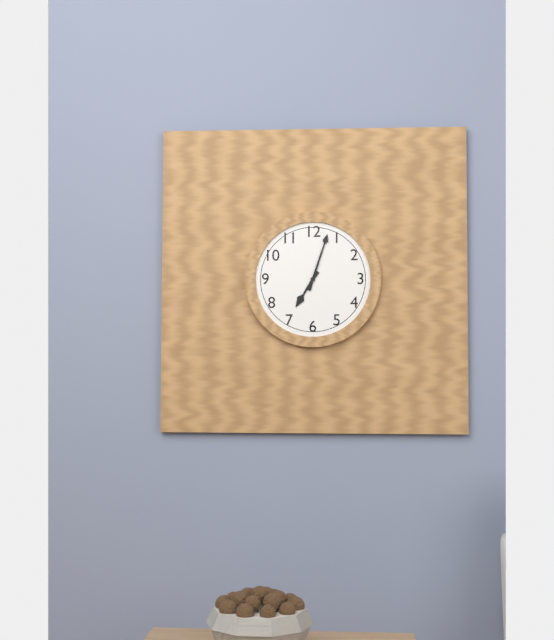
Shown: h=7 m=3
